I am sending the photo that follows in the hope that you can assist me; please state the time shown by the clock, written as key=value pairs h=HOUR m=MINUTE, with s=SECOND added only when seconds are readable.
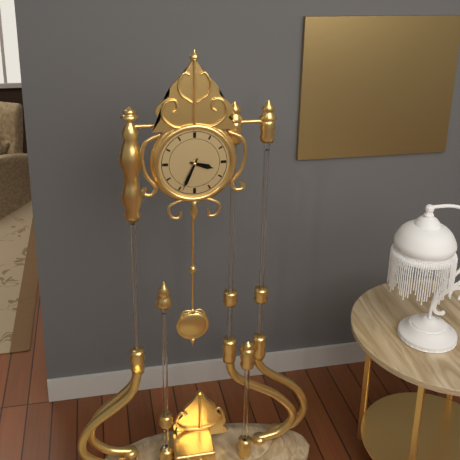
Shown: h=3 m=34
